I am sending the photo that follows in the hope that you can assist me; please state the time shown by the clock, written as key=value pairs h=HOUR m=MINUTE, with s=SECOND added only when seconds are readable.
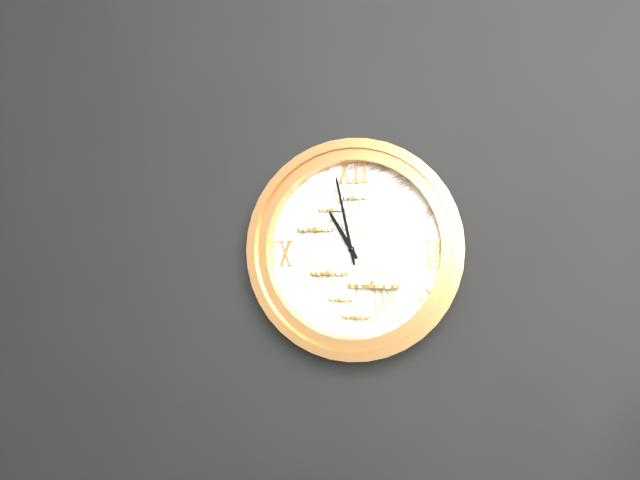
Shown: h=10 m=58
